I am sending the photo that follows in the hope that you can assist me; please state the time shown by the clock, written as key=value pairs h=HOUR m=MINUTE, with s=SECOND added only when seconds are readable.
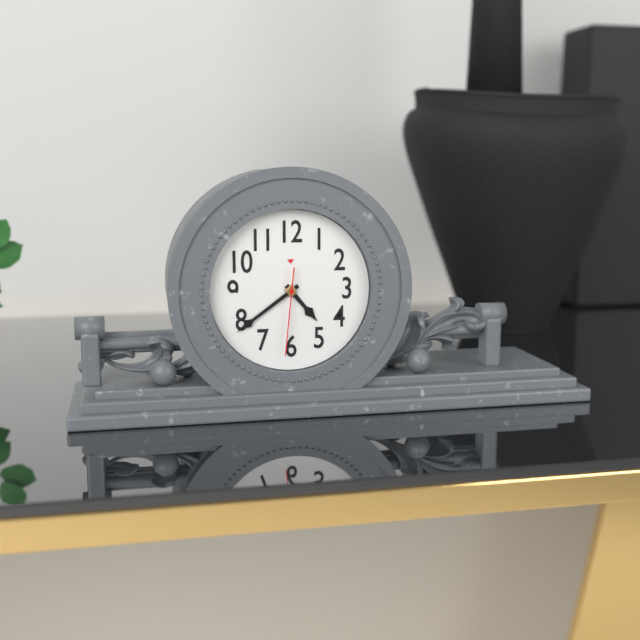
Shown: h=4 m=39 s=31
